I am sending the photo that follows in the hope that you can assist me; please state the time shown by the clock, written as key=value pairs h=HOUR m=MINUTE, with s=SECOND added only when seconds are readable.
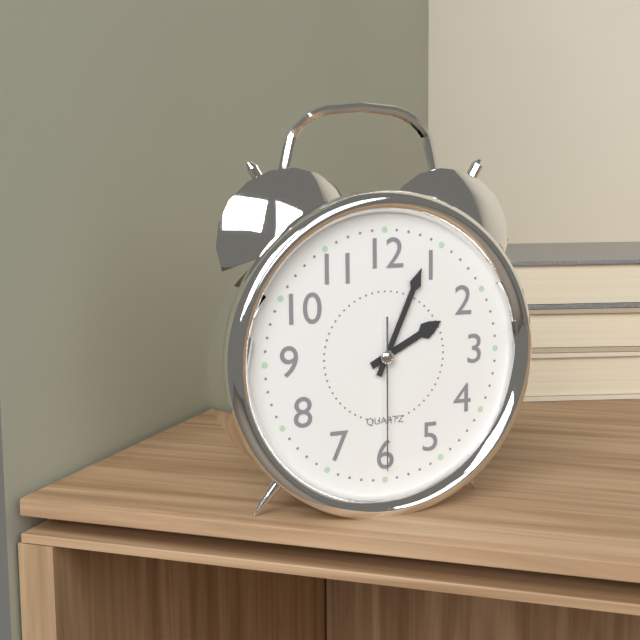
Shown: h=2 m=4 s=30
